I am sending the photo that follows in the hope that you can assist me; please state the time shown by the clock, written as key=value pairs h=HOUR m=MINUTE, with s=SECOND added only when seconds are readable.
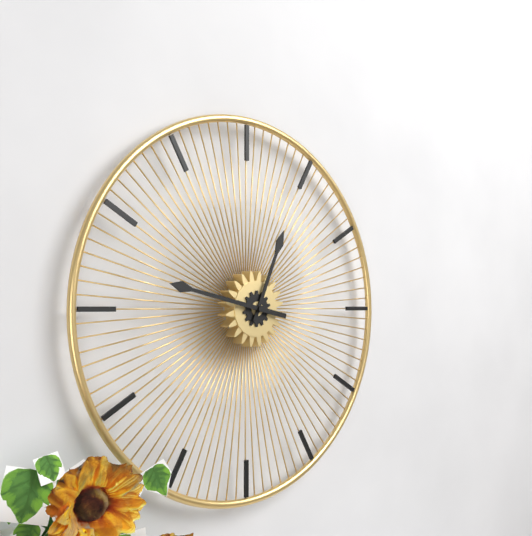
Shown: h=12 m=47
